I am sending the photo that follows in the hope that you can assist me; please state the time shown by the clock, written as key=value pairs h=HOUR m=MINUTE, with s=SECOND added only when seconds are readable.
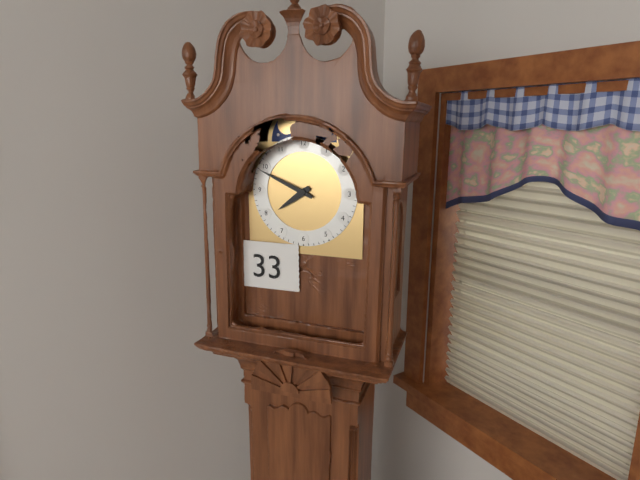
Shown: h=7 m=49
